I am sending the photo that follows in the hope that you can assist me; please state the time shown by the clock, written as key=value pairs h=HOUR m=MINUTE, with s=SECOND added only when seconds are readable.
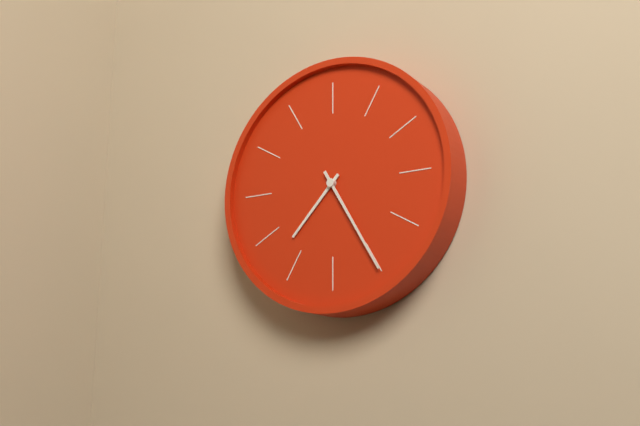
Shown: h=7 m=25
